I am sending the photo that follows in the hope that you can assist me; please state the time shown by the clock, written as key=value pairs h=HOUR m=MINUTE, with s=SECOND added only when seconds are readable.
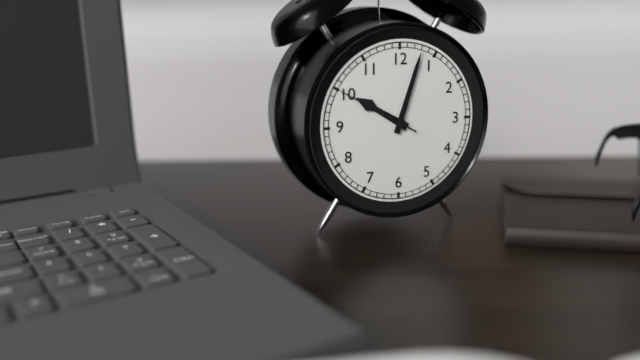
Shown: h=10 m=3 s=50
